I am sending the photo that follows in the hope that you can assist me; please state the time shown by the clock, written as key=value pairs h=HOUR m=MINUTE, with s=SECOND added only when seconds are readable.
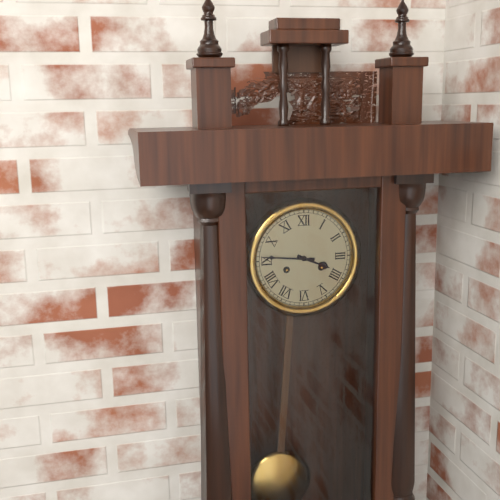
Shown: h=3 m=46
